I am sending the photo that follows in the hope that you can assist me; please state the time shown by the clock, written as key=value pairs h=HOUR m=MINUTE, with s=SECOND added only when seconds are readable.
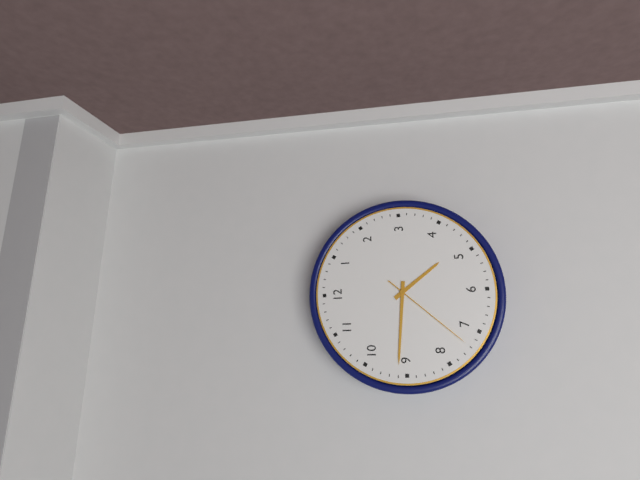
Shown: h=4 m=46 s=37
